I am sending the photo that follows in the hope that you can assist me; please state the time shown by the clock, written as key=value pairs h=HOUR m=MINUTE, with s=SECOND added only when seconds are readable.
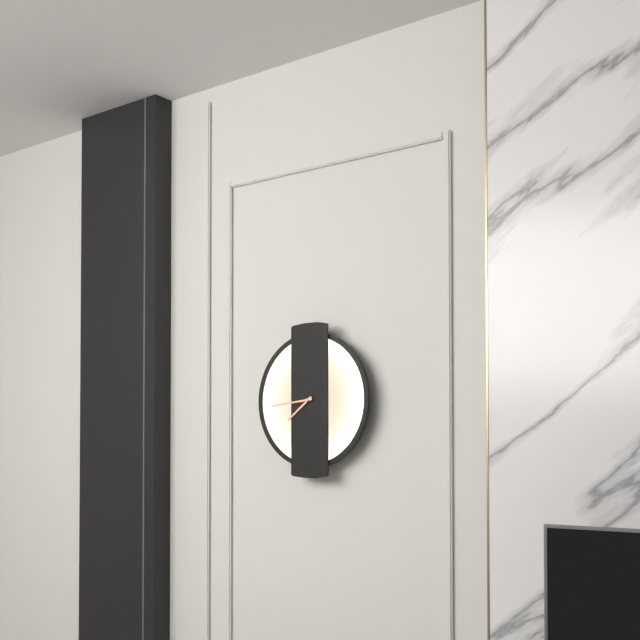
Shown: h=7 m=44
